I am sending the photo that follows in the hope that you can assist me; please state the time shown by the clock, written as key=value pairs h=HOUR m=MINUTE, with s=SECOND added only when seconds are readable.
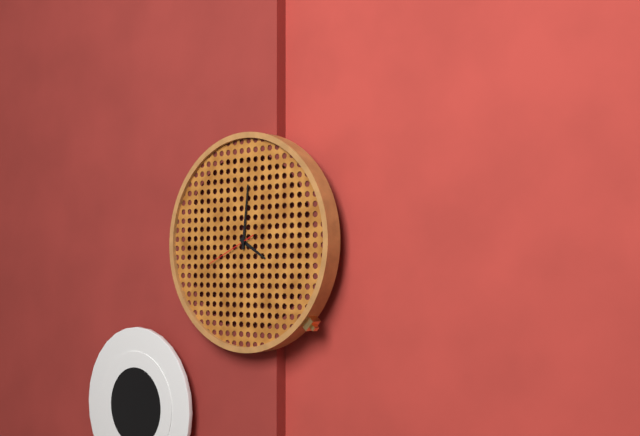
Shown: h=4 m=1 s=41
